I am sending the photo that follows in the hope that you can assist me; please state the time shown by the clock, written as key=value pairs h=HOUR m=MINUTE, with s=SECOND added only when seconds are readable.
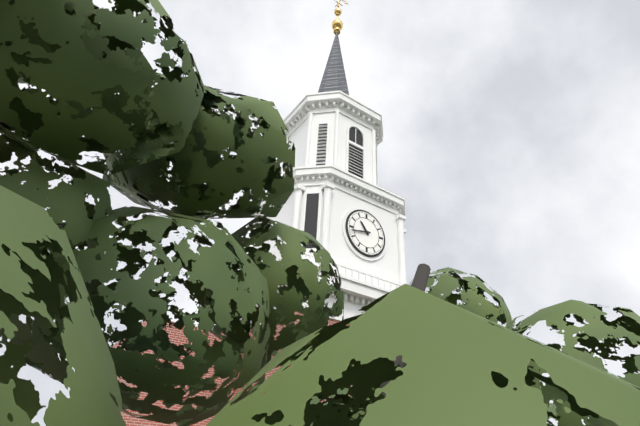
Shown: h=10 m=43
